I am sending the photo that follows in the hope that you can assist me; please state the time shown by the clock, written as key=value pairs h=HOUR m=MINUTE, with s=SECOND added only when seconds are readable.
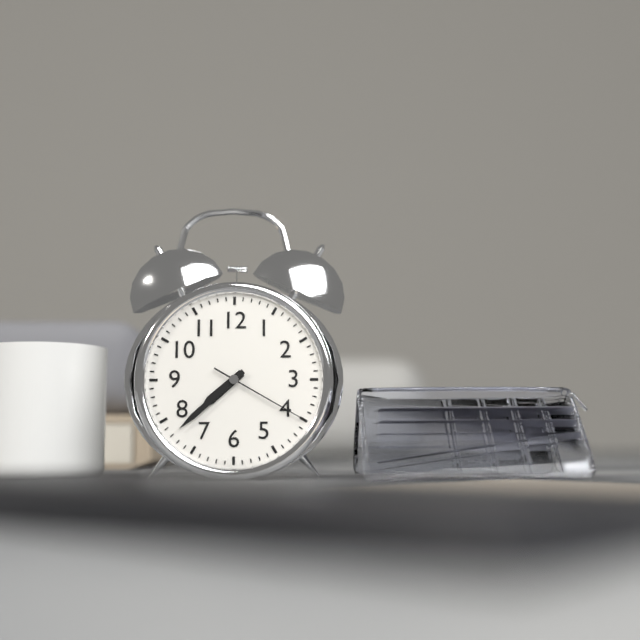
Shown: h=7 m=38 s=20
